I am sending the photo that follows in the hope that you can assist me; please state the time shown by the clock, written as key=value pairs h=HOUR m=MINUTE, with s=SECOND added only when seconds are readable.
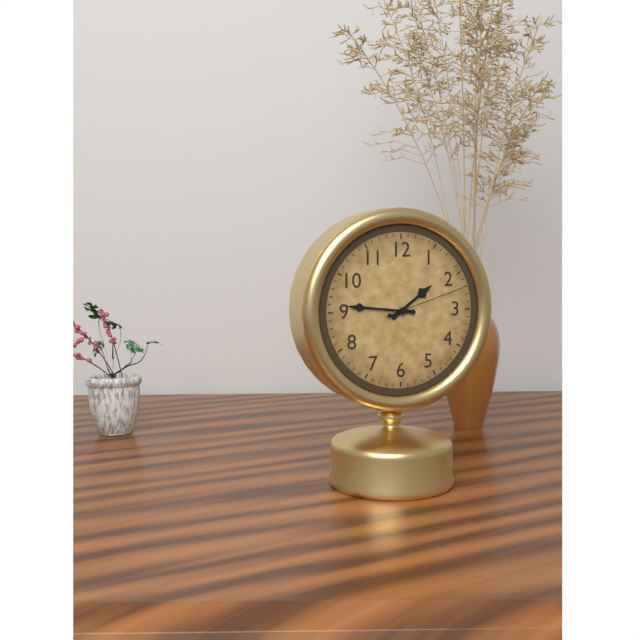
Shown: h=1 m=46 s=12
